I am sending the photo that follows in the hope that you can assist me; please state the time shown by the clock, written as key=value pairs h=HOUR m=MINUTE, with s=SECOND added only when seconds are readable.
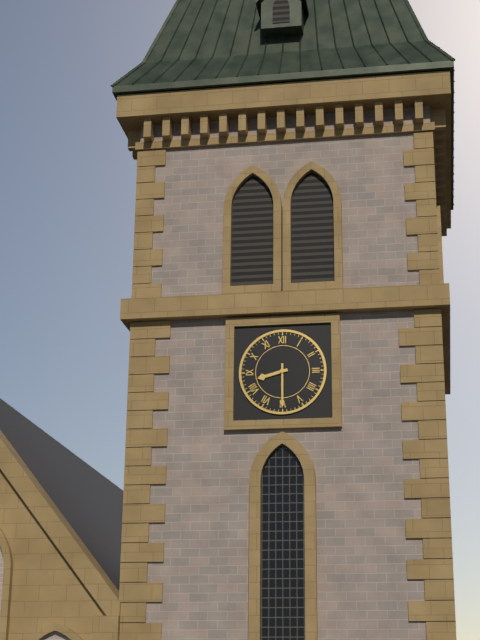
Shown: h=8 m=30
